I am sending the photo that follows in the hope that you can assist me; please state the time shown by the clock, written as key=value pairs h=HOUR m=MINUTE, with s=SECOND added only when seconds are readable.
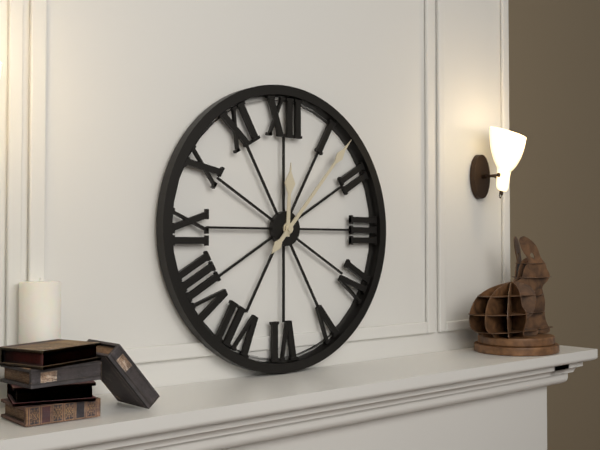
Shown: h=12 m=7
